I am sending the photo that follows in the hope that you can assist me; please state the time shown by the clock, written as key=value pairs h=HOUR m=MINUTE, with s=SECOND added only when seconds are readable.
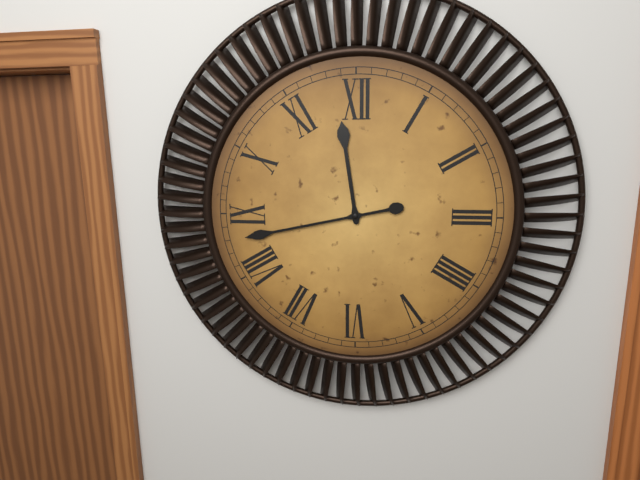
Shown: h=11 m=43
